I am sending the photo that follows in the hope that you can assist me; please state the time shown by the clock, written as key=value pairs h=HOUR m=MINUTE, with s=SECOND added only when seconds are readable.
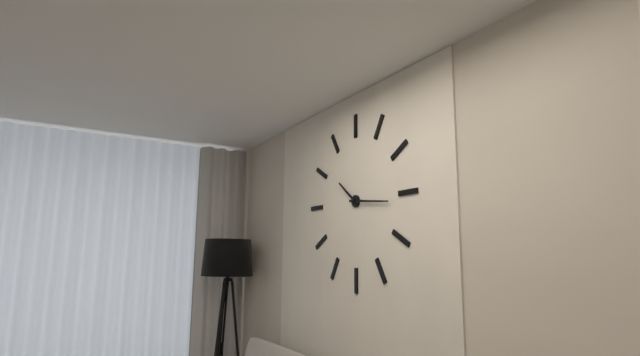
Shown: h=10 m=16
